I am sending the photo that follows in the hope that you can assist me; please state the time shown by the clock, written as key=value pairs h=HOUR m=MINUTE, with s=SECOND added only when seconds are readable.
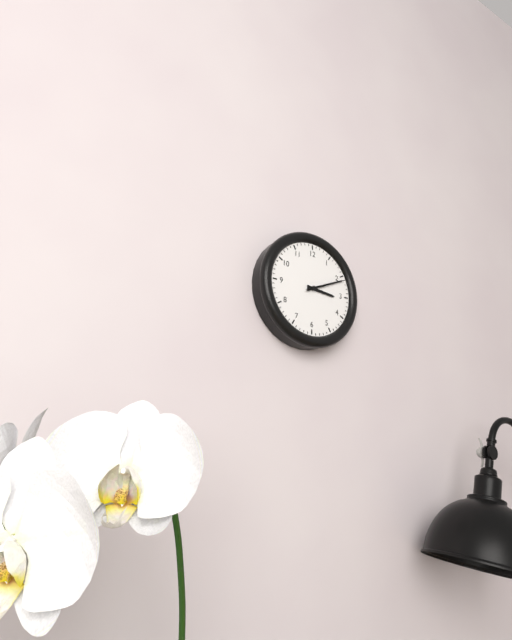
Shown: h=3 m=11
